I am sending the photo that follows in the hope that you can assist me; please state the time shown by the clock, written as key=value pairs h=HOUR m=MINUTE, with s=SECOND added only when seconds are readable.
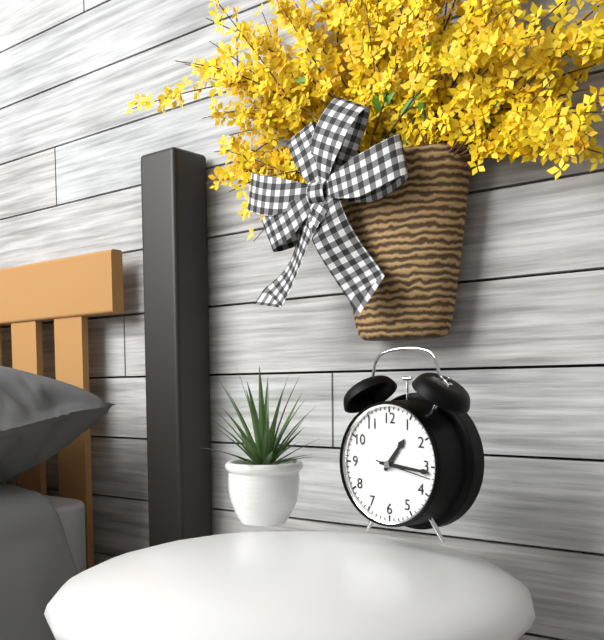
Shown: h=1 m=16 s=17
